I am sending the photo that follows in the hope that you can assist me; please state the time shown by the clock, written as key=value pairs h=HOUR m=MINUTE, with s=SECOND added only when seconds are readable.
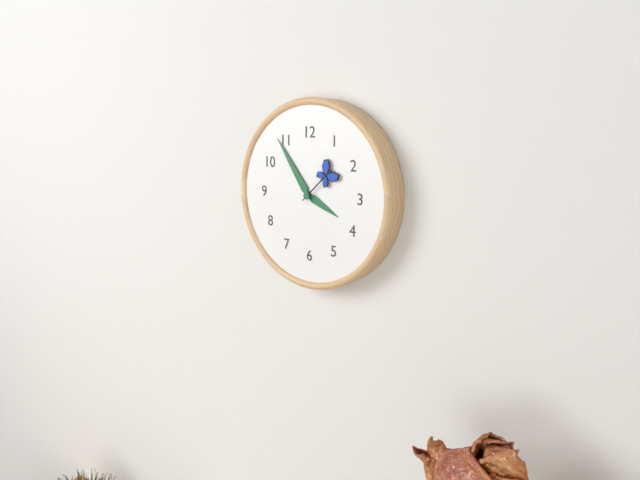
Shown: h=3 m=54 s=8
